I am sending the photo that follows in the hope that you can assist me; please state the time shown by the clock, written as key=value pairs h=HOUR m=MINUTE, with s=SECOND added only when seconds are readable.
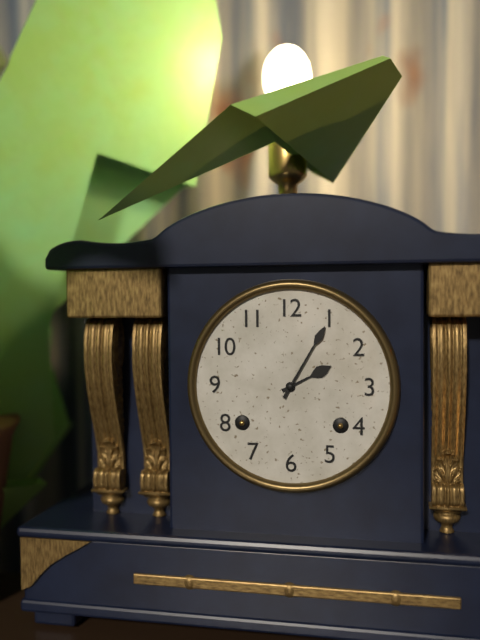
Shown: h=2 m=5
